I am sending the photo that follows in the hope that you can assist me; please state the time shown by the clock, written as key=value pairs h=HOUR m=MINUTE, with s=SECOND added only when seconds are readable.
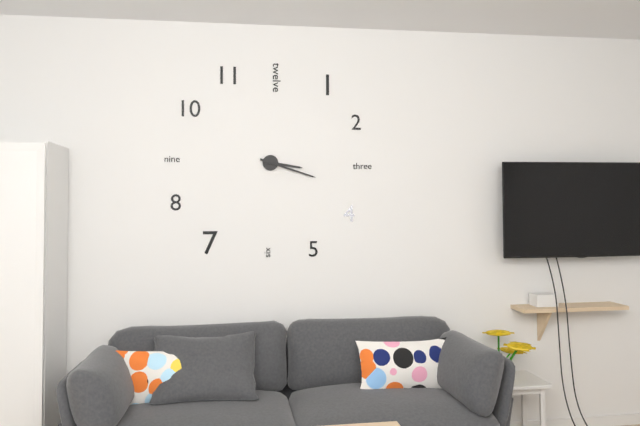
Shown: h=3 m=18
